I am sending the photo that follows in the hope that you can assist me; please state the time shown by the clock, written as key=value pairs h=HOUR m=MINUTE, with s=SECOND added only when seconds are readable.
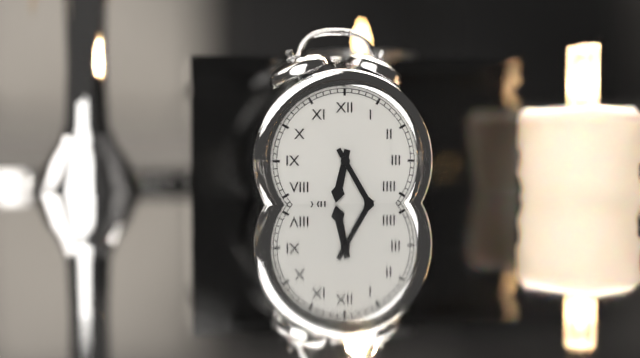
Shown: h=6 m=25
